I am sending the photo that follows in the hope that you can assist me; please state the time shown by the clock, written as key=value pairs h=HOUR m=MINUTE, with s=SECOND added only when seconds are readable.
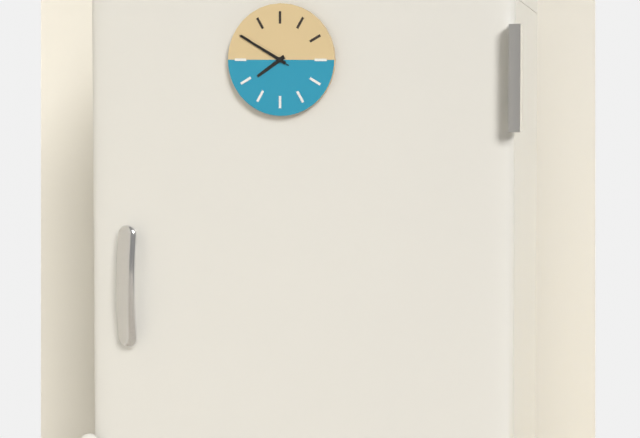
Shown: h=7 m=50 s=50
